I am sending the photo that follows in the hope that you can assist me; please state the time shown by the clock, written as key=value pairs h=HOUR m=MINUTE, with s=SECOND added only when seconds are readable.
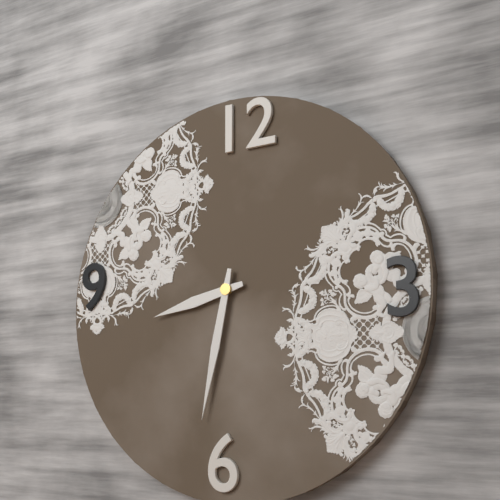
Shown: h=8 m=32
